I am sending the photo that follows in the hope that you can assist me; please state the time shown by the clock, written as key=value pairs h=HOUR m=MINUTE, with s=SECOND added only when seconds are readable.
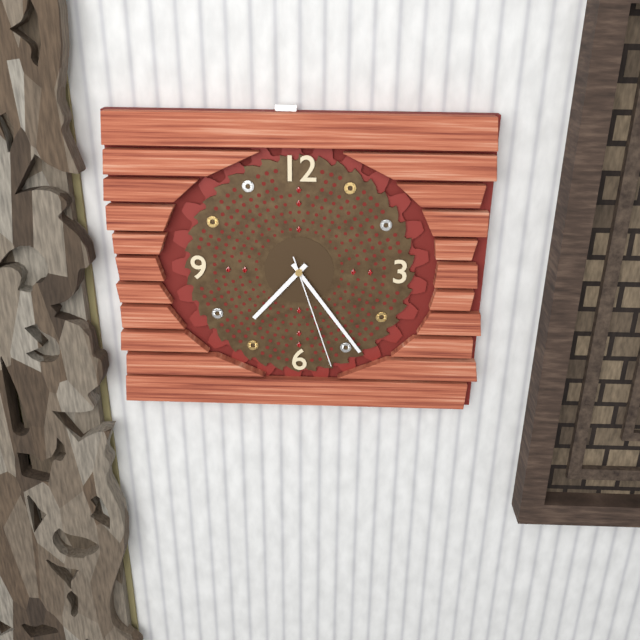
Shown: h=7 m=24 s=27
